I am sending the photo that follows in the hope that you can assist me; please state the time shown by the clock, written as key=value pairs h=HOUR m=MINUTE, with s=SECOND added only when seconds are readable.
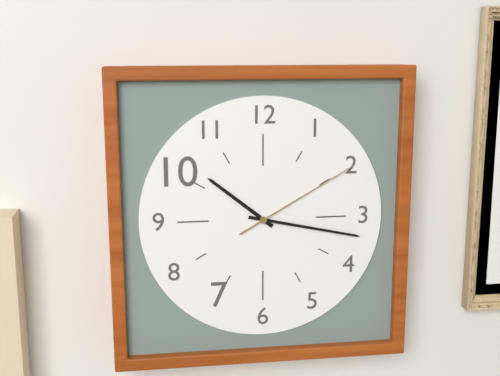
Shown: h=10 m=17 s=10
